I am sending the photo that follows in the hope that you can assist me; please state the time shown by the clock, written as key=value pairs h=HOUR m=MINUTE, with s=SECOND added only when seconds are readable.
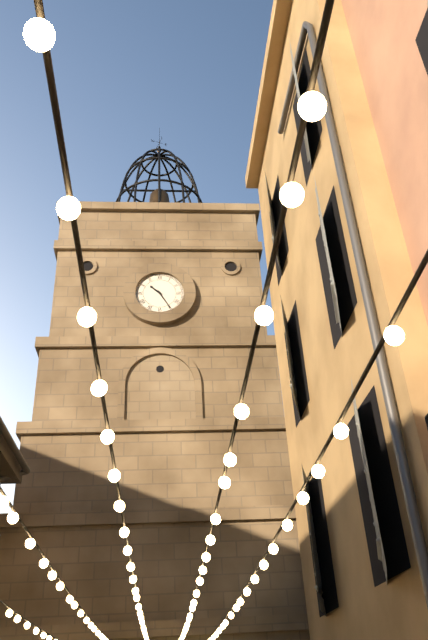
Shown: h=10 m=25
